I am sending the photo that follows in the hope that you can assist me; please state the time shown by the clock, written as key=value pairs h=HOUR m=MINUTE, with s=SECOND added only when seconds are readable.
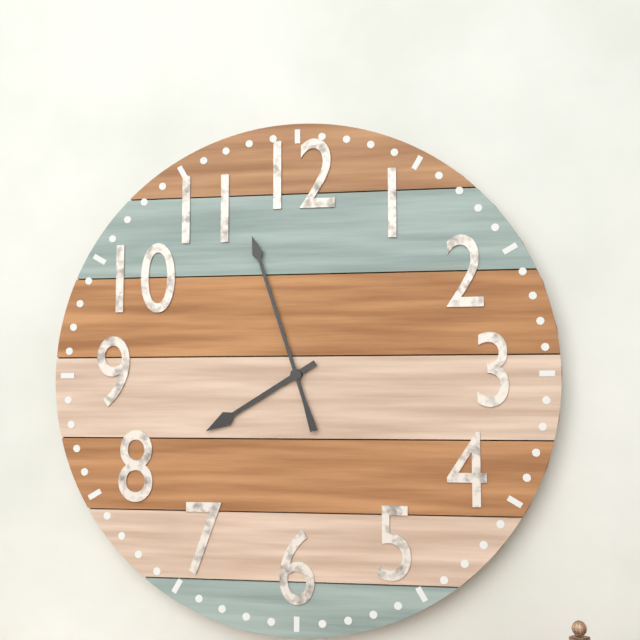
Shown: h=7 m=57
